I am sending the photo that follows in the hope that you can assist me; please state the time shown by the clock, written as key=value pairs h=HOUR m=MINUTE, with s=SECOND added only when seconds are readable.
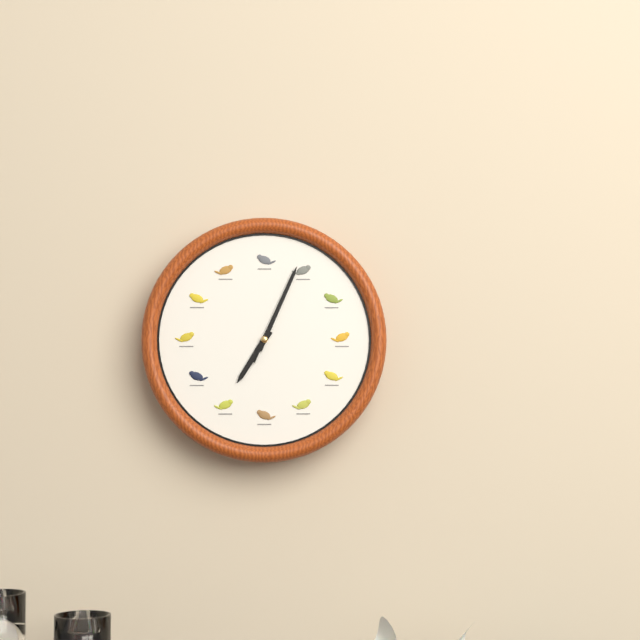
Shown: h=7 m=4 s=4
